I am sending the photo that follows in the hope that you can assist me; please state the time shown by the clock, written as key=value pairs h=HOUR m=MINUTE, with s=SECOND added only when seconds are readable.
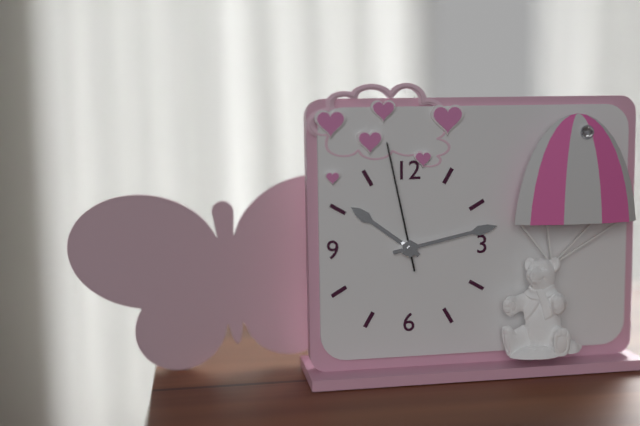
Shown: h=10 m=13 s=58
